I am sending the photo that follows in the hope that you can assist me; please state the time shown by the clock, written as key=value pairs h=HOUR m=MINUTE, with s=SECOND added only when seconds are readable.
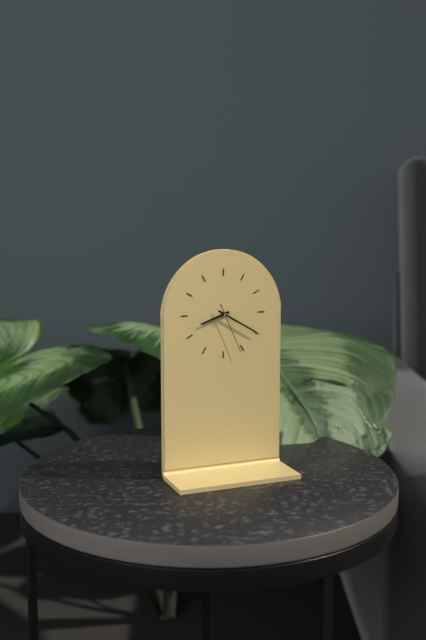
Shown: h=8 m=20 s=26
